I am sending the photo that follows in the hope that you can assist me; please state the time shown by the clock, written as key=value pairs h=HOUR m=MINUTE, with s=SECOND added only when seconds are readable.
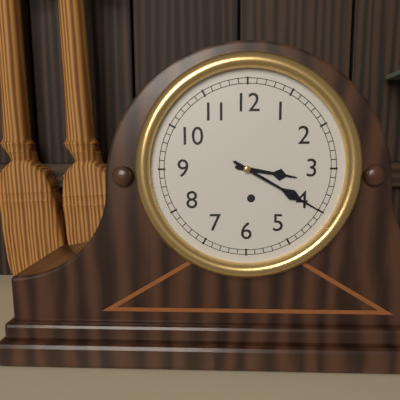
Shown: h=3 m=20
